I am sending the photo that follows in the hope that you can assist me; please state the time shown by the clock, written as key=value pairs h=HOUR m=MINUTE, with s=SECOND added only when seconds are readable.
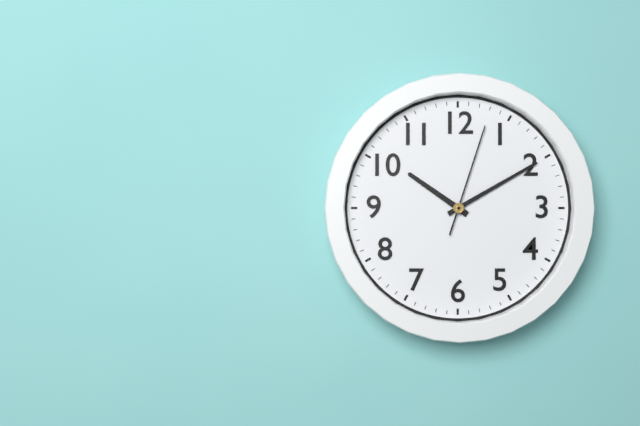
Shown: h=10 m=10 s=3
